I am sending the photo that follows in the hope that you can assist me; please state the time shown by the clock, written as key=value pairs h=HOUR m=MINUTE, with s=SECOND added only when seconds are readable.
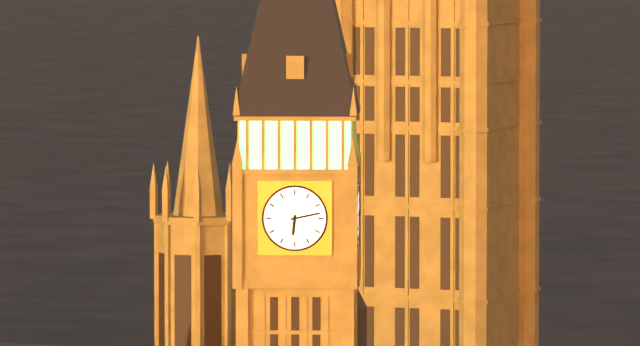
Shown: h=6 m=13
